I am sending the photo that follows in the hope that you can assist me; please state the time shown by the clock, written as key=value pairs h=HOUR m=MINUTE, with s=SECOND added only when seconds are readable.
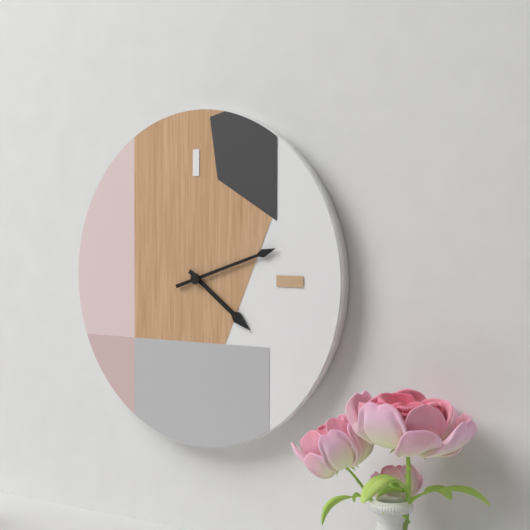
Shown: h=4 m=12
